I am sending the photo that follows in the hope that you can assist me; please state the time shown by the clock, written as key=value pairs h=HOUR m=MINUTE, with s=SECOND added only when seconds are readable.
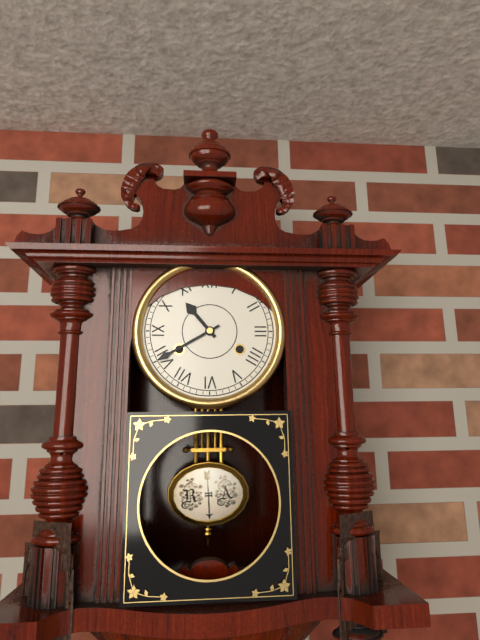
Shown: h=10 m=40
